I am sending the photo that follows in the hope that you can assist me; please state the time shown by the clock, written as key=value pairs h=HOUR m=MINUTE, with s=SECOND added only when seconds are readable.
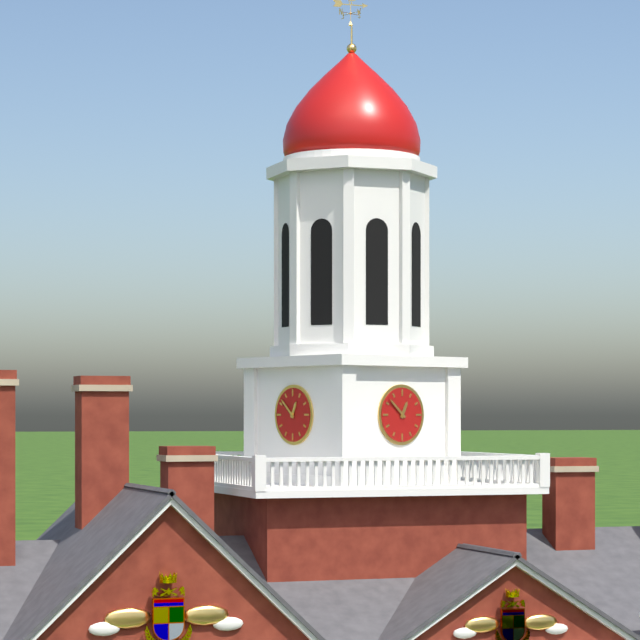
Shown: h=12 m=52
